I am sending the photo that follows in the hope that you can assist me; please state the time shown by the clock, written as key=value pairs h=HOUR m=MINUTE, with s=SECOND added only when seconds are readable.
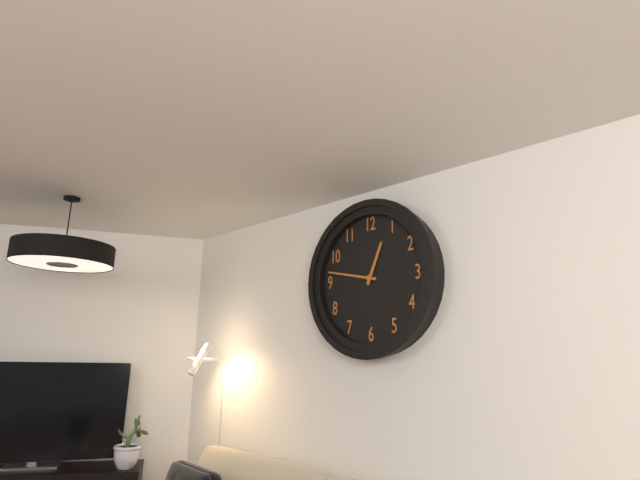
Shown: h=12 m=47
